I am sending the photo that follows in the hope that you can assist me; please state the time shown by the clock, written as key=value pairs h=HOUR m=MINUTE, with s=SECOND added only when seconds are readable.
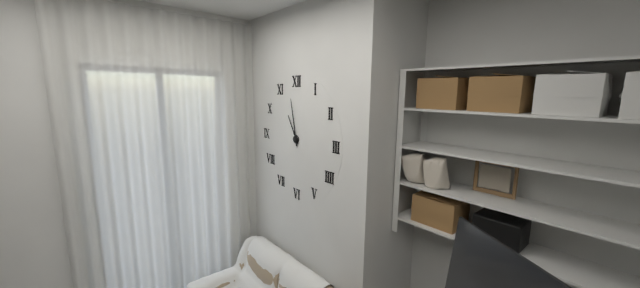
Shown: h=10 m=58
